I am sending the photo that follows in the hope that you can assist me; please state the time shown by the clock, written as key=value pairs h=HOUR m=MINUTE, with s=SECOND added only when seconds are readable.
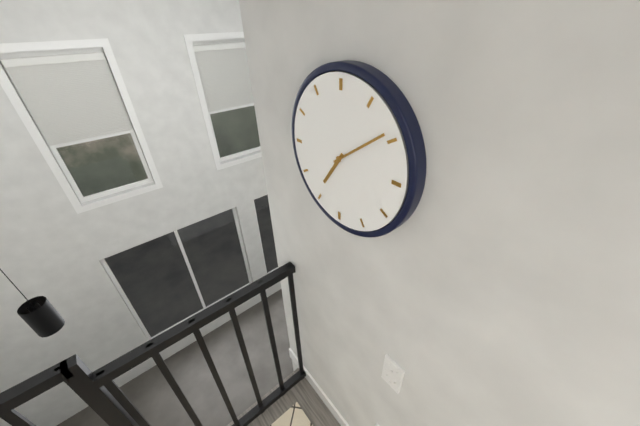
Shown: h=7 m=9
